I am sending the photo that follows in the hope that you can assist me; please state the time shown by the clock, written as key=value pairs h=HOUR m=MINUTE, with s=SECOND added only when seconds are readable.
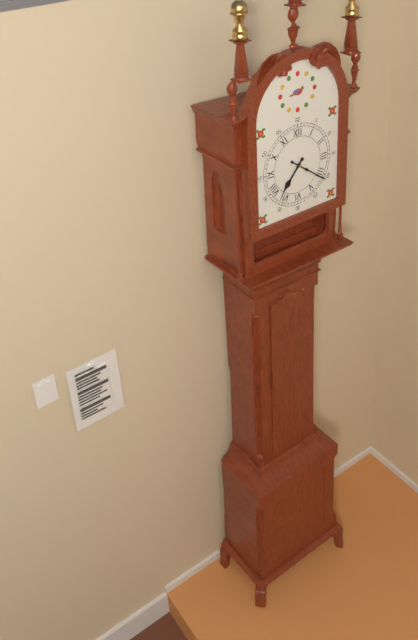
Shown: h=7 m=21
